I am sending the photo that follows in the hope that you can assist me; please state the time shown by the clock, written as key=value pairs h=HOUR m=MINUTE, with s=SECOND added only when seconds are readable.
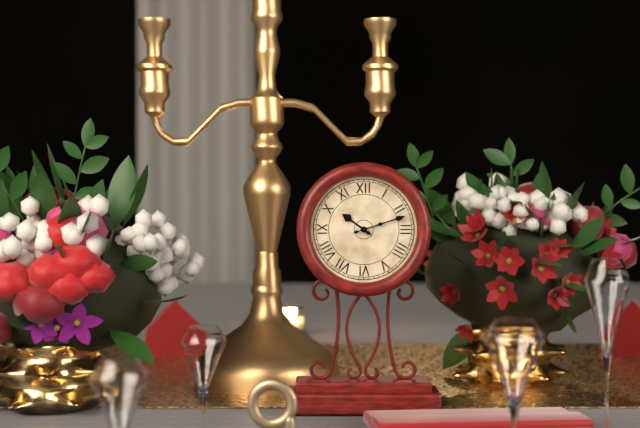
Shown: h=10 m=12
